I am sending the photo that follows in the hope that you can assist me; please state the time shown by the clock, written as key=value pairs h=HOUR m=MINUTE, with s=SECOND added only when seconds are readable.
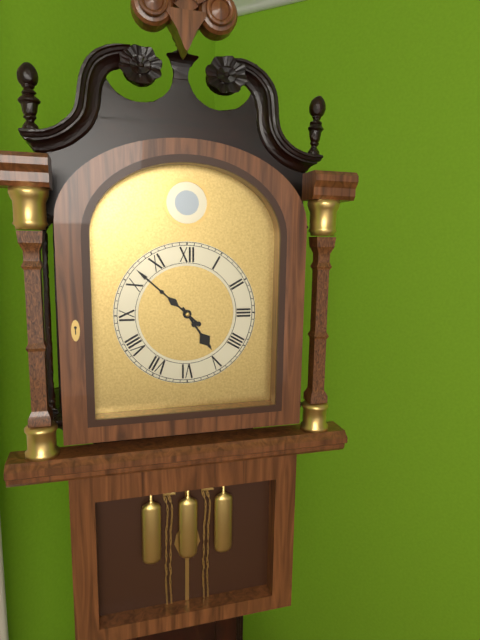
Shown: h=4 m=52
